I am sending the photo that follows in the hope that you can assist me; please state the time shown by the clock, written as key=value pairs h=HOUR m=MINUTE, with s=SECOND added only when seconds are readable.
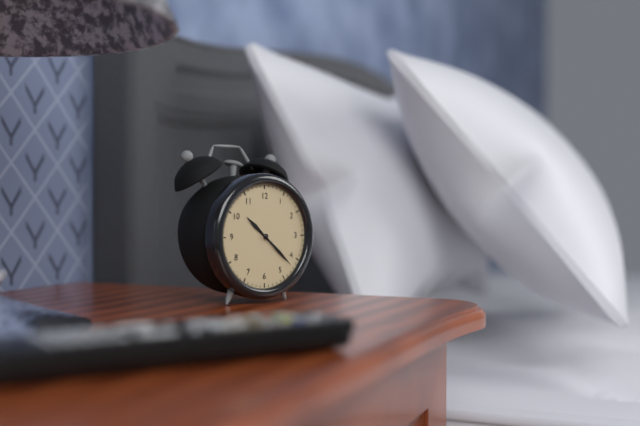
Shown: h=10 m=22
